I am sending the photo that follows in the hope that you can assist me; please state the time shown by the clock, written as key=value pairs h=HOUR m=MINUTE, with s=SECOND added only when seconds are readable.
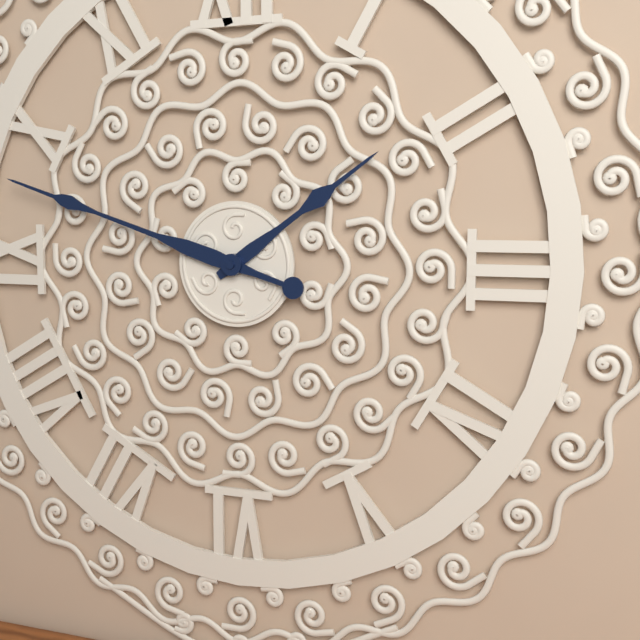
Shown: h=1 m=48
